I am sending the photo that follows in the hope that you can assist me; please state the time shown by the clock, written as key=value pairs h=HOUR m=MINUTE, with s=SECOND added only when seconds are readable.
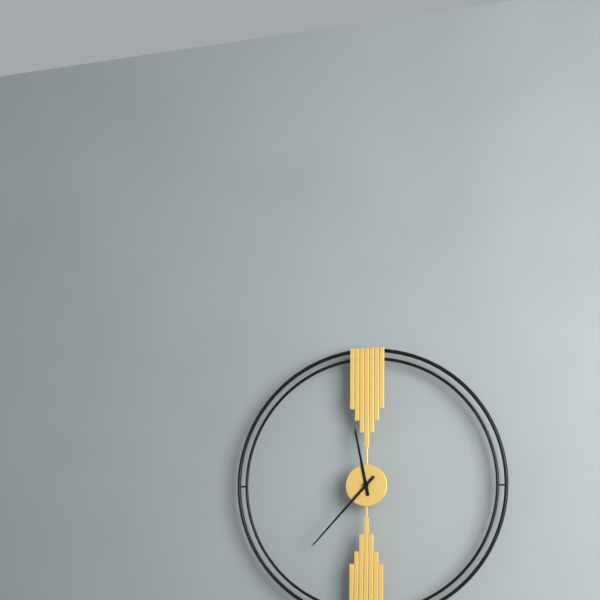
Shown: h=11 m=37
